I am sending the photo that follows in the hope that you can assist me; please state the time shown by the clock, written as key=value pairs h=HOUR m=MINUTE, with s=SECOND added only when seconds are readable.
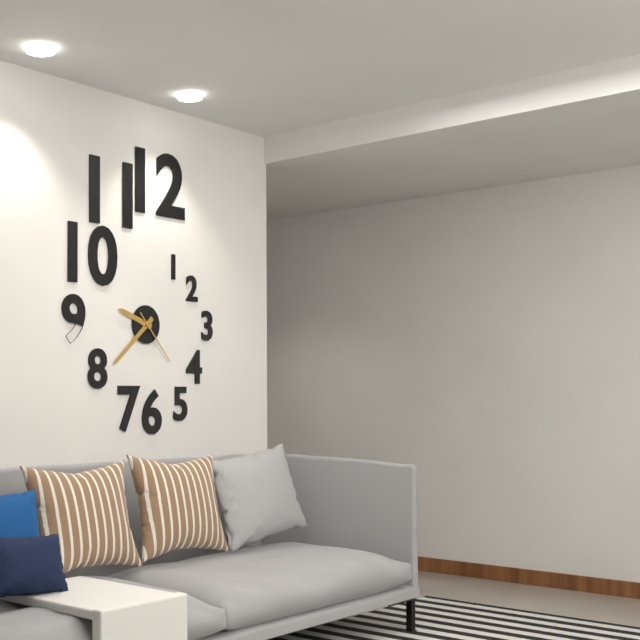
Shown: h=9 m=38 s=23
